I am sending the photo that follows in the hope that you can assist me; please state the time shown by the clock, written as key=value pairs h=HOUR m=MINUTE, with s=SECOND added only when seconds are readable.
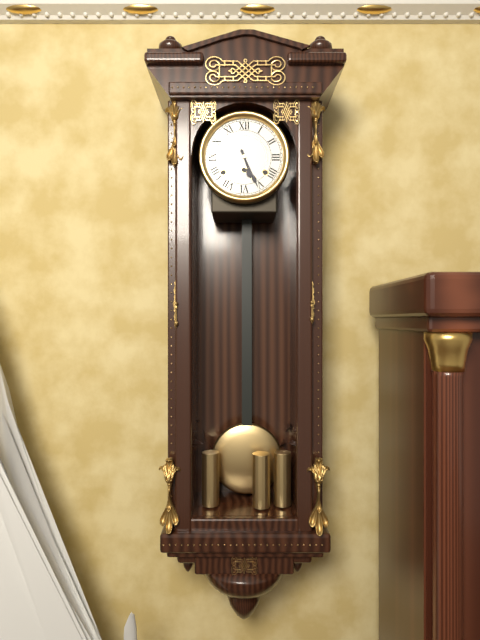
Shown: h=5 m=26
